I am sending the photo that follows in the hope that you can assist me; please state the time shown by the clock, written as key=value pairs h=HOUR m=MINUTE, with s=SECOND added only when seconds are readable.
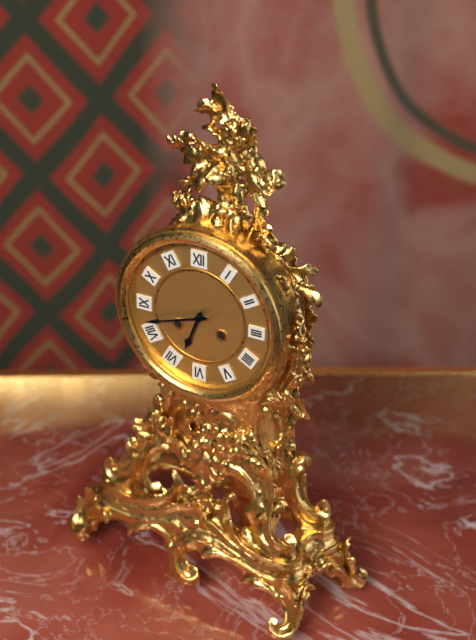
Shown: h=6 m=42
